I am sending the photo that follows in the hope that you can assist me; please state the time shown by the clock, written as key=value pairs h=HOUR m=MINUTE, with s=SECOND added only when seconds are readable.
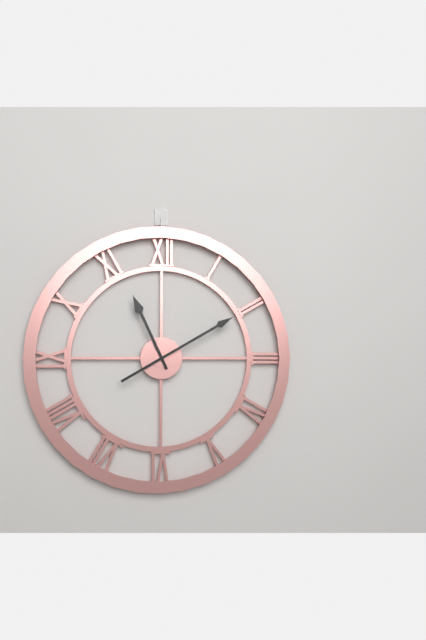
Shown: h=11 m=10
